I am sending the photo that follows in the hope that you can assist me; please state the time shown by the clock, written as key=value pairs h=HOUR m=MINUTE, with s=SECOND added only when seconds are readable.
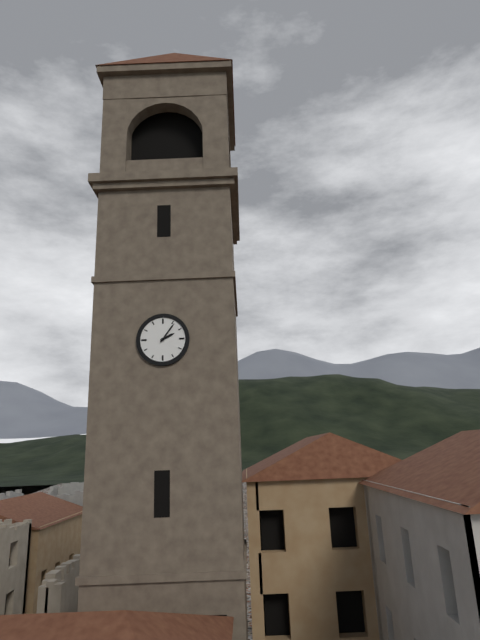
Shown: h=2 m=6
